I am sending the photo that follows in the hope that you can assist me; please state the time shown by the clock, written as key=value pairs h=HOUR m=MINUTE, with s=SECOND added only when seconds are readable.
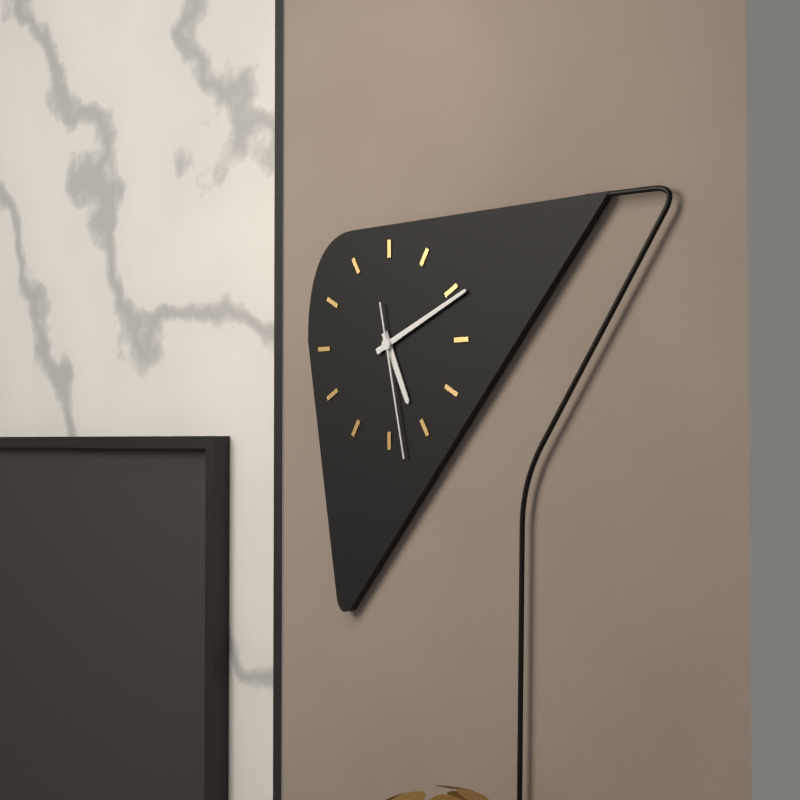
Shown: h=5 m=11 s=28
